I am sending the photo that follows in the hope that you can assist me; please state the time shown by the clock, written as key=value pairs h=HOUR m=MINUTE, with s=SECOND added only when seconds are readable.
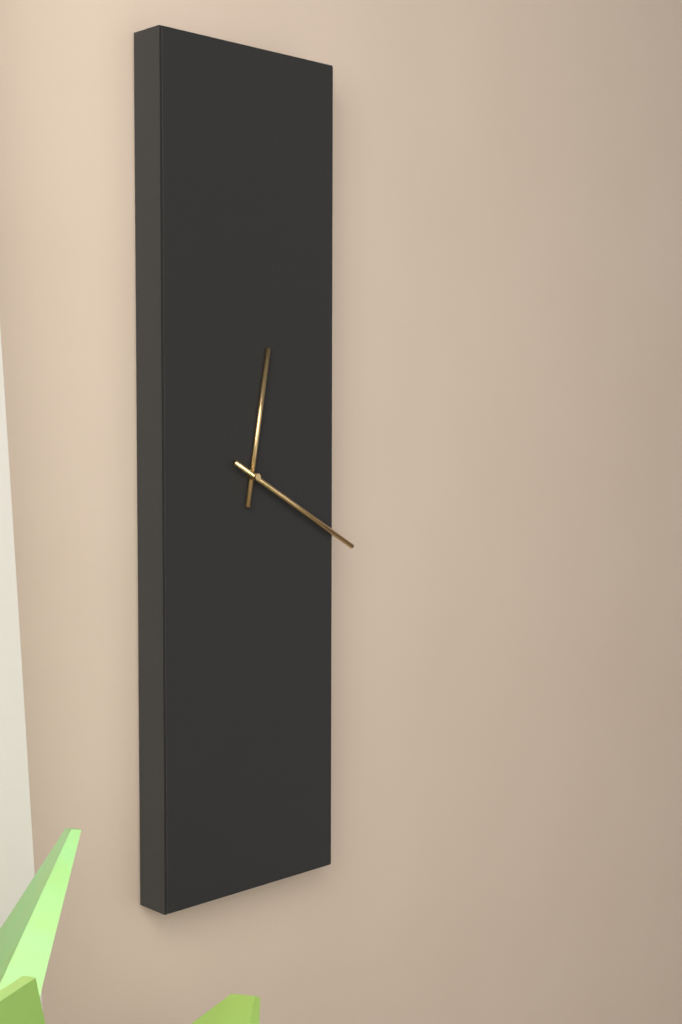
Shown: h=12 m=20
